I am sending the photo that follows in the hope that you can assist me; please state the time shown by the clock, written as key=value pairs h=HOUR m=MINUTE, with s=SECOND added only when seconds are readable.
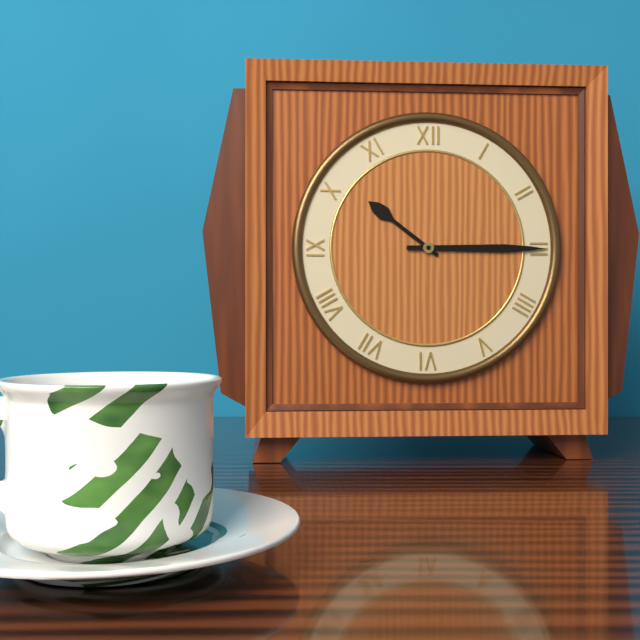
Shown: h=10 m=15
